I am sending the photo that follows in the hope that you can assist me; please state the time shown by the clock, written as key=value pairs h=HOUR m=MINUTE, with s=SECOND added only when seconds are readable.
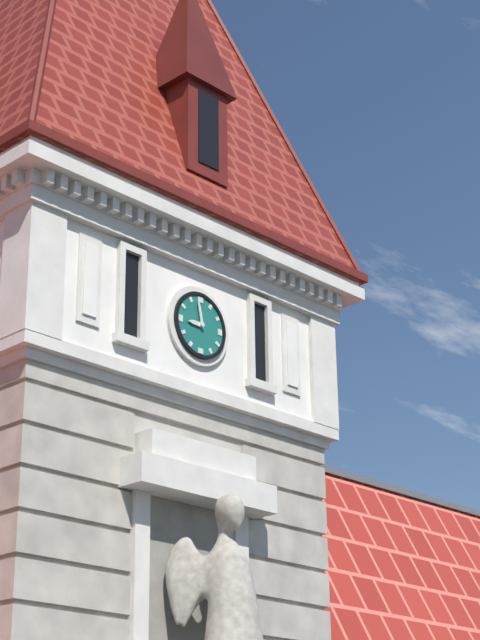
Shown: h=8 m=58
